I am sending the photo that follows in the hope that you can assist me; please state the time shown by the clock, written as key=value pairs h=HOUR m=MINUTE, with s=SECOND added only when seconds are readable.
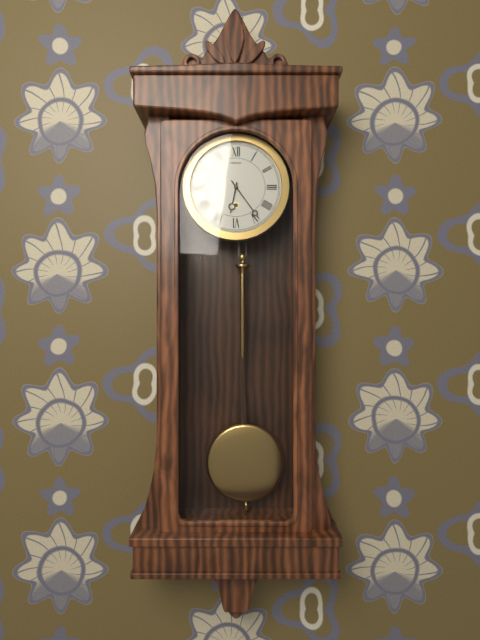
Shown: h=6 m=24
